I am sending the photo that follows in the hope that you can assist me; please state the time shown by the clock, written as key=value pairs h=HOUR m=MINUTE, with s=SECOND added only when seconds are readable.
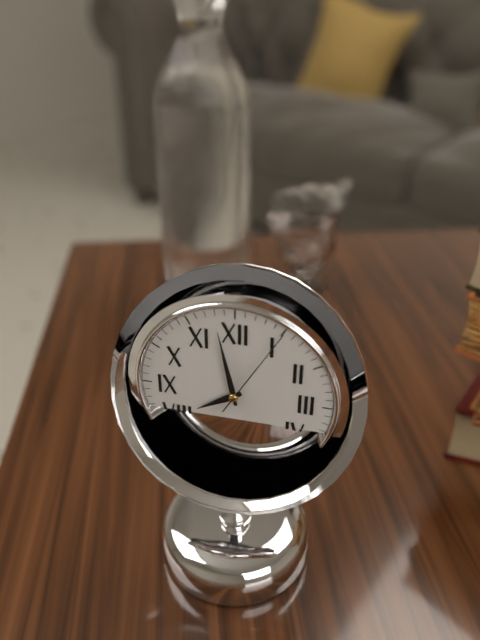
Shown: h=7 m=58 s=5
